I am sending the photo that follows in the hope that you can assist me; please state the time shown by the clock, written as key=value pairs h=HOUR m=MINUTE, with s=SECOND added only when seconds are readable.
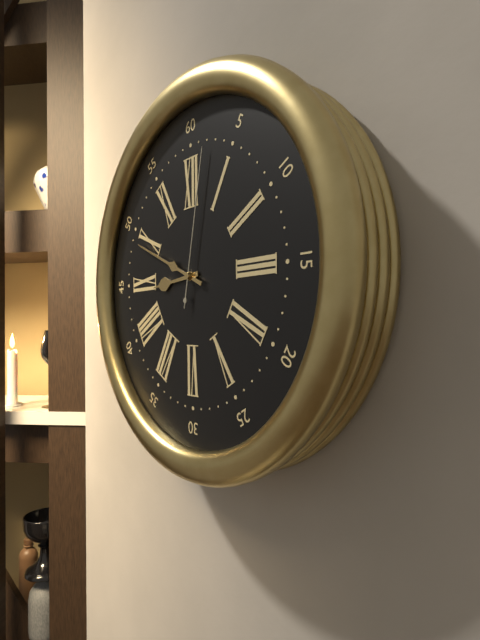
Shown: h=8 m=49 s=2
